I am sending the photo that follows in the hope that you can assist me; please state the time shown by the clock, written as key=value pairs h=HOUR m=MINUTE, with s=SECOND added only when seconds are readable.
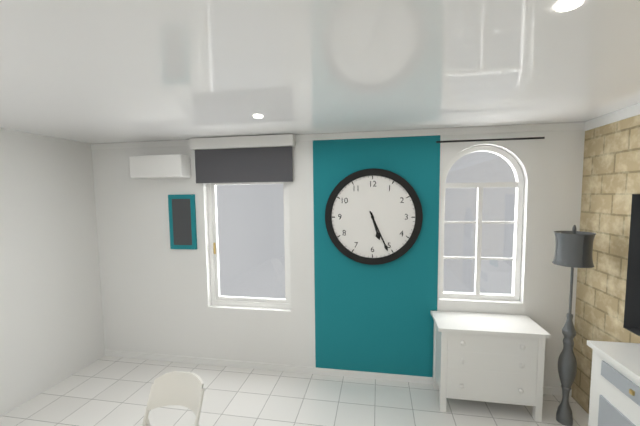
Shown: h=5 m=26
